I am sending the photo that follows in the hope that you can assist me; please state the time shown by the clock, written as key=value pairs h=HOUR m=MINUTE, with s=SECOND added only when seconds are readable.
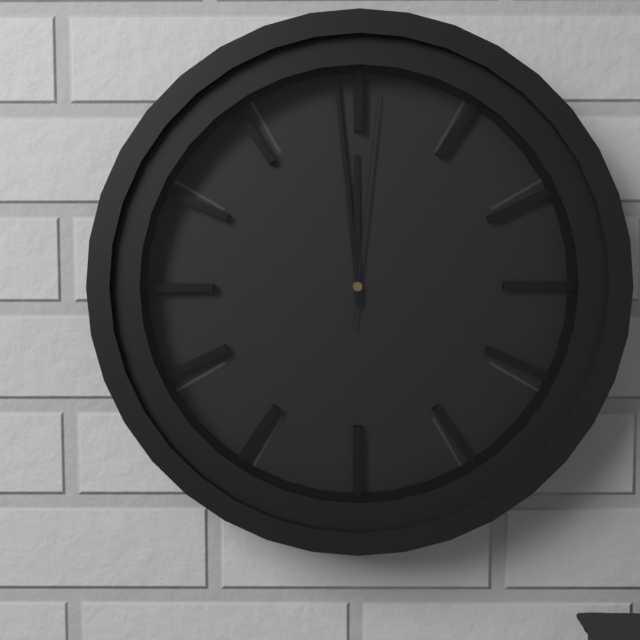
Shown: h=11 m=59 s=1
